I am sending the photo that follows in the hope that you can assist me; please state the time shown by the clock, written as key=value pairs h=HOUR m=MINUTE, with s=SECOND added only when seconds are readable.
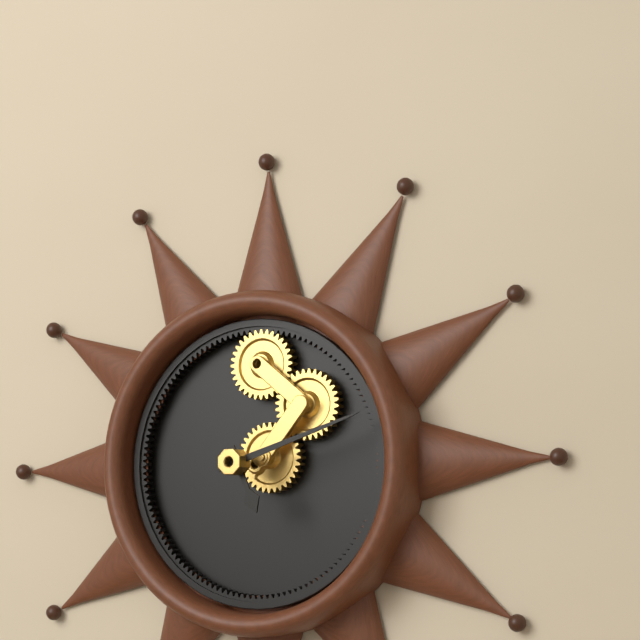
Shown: h=5 m=12
